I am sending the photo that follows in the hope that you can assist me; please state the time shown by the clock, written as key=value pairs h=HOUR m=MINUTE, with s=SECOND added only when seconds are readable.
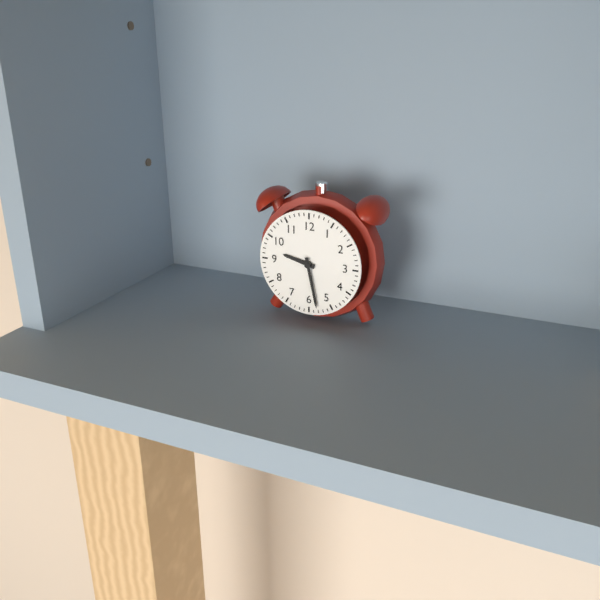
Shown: h=9 m=28
